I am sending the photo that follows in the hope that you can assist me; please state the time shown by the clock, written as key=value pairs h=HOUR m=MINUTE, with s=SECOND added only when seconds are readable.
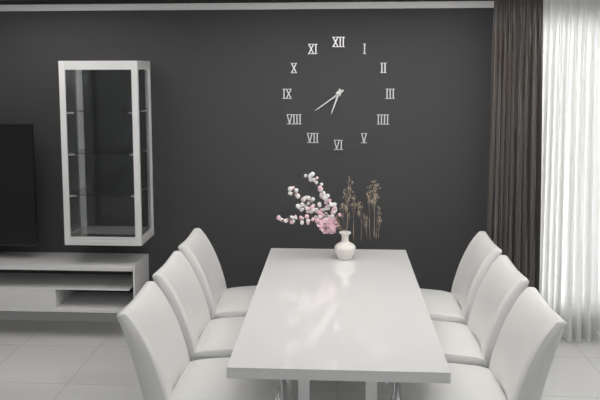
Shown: h=6 m=39
